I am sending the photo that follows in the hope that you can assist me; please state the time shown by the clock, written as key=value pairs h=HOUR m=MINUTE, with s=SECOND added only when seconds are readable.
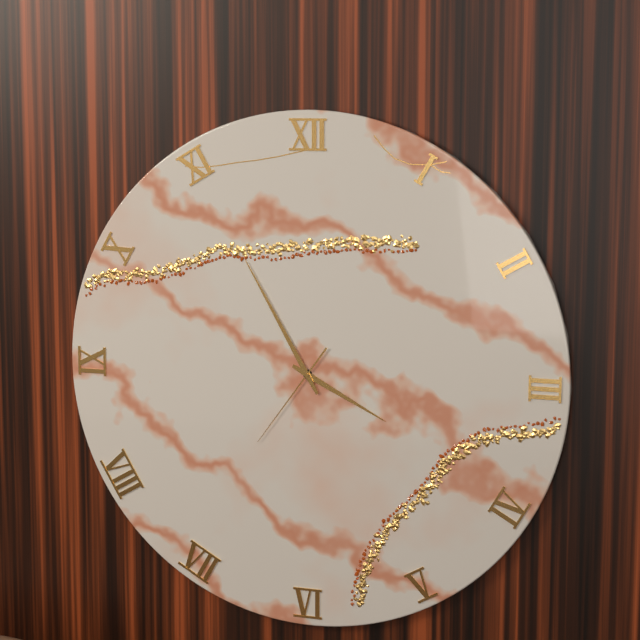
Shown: h=3 m=55 s=36
